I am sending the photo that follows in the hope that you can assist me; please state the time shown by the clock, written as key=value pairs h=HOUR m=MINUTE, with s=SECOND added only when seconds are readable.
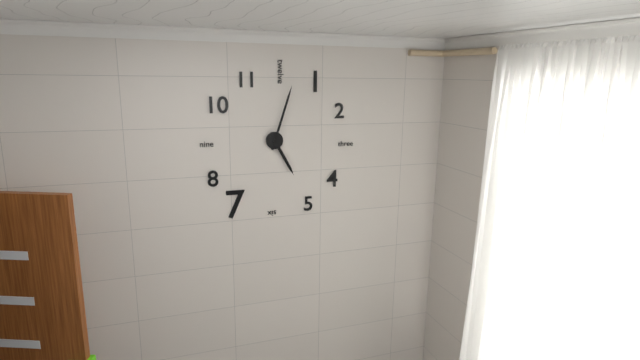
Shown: h=5 m=3
